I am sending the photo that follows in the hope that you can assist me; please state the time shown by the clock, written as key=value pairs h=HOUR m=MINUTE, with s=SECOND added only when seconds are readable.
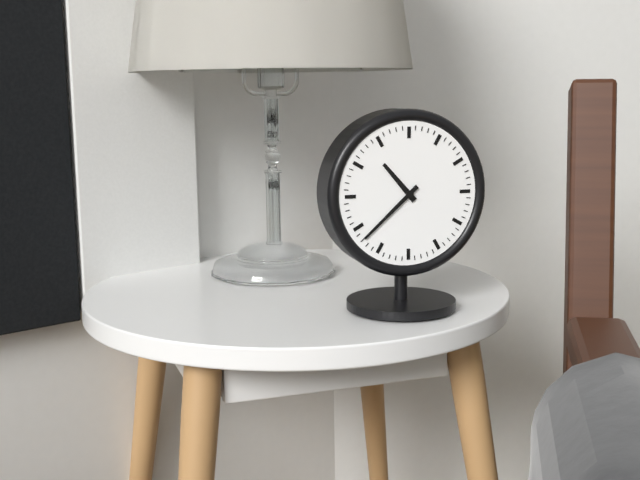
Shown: h=10 m=38
